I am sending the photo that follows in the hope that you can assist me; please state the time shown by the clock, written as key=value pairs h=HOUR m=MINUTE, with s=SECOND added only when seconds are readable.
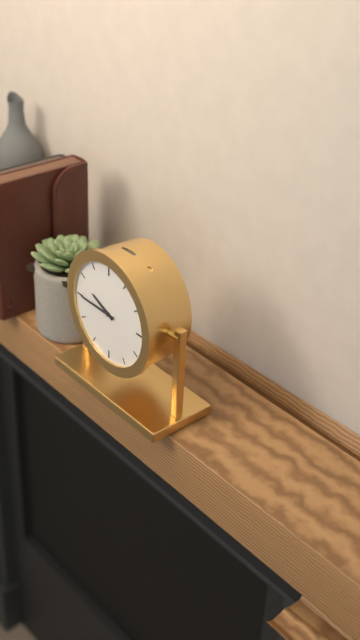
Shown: h=9 m=45
